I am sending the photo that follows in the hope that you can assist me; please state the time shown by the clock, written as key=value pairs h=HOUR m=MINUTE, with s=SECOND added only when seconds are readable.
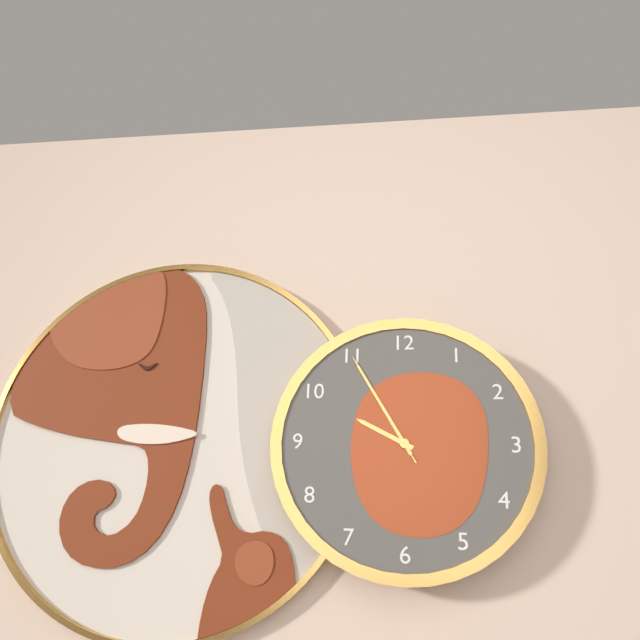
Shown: h=9 m=55 s=55
